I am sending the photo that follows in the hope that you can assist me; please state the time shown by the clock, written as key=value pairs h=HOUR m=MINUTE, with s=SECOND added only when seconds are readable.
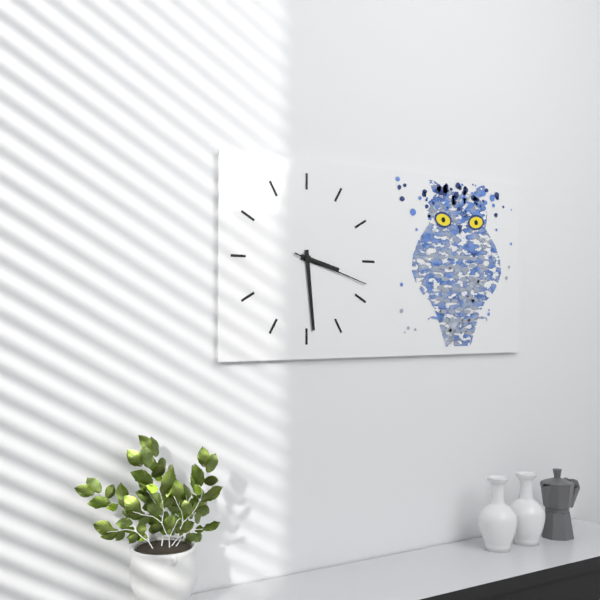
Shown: h=3 m=29 s=18
